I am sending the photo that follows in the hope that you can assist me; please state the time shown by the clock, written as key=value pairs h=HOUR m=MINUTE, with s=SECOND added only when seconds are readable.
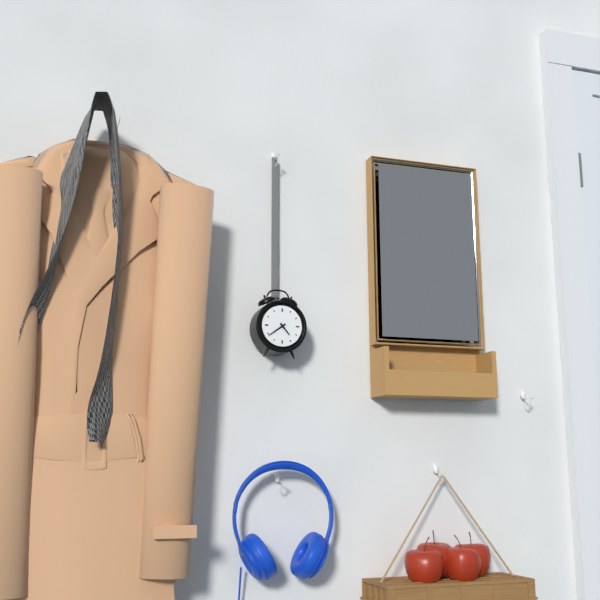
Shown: h=4 m=39
